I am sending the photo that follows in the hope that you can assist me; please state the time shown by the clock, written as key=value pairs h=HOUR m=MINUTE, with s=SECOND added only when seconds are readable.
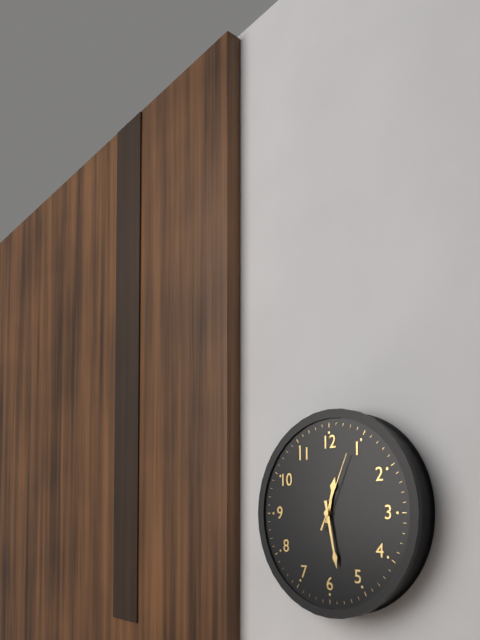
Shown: h=12 m=28 s=4
